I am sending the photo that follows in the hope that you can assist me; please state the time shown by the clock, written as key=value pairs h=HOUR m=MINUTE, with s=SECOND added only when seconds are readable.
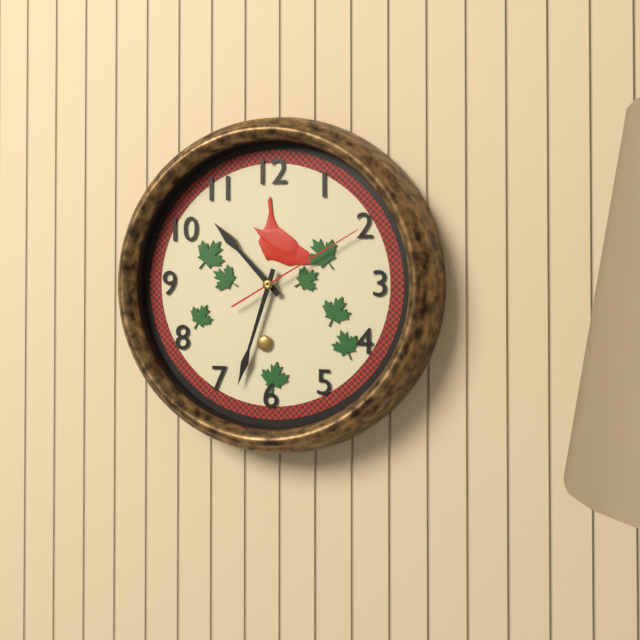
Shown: h=10 m=33 s=10
